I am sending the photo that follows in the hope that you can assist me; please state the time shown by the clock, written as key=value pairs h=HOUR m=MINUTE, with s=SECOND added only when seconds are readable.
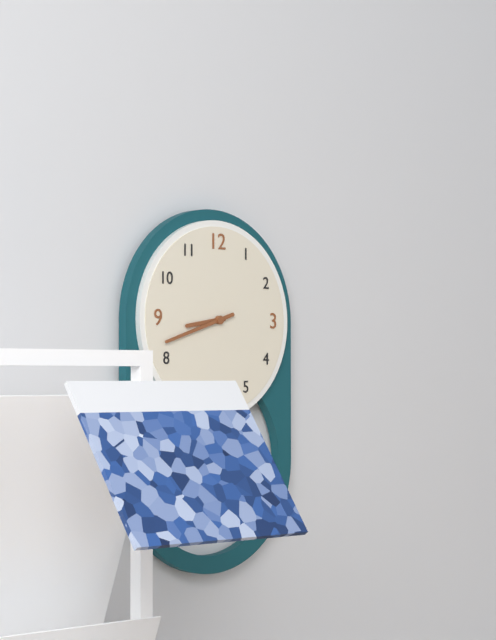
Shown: h=8 m=42
